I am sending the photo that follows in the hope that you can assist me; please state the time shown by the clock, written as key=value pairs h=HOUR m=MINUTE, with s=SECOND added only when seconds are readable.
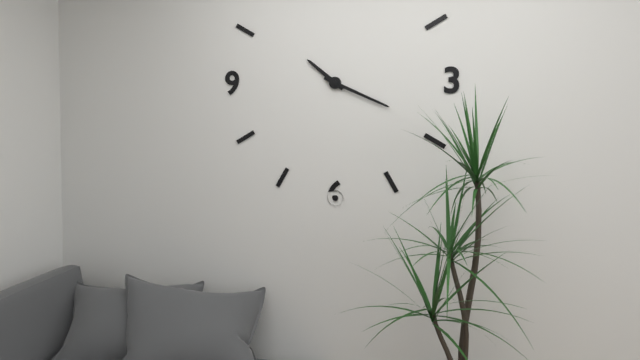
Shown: h=10 m=19
